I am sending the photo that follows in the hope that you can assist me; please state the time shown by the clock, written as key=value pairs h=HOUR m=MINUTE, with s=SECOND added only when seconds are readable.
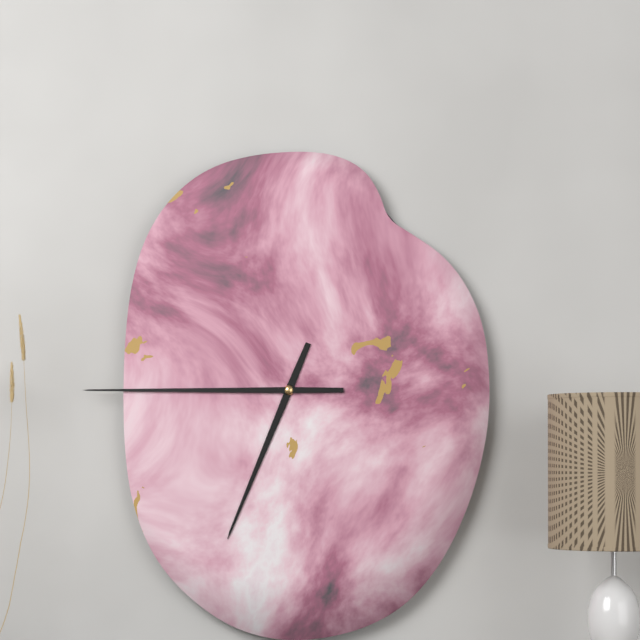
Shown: h=6 m=45
